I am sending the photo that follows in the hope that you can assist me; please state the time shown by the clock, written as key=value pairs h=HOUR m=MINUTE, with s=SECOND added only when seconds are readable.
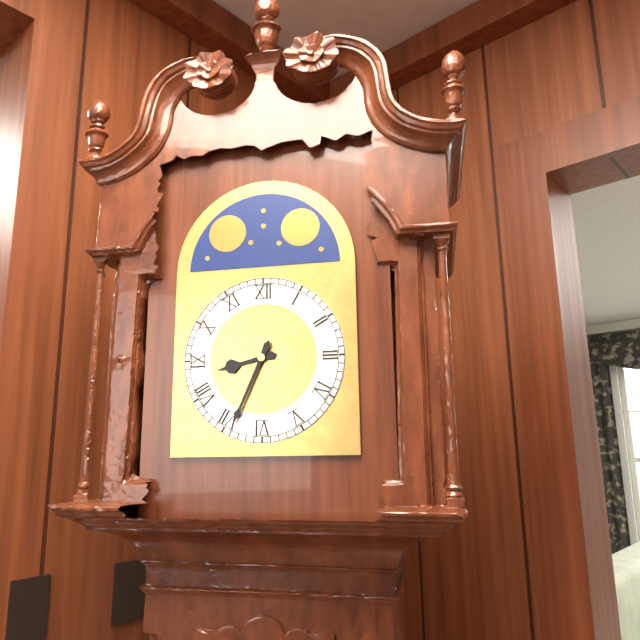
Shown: h=8 m=34
